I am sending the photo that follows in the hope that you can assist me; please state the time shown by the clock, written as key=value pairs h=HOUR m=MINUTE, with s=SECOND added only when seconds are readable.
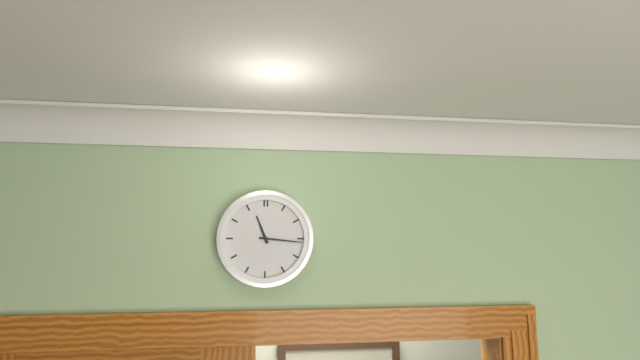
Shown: h=11 m=16
